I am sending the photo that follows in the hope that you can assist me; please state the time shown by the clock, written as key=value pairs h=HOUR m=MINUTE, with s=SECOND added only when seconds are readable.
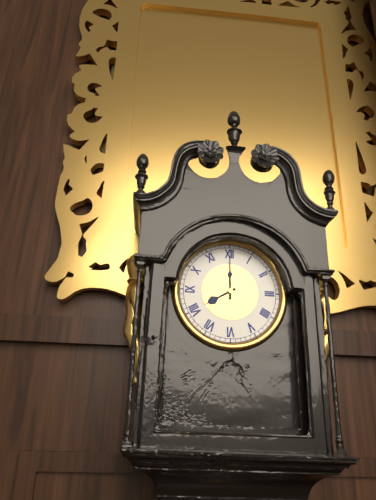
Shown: h=8 m=0
